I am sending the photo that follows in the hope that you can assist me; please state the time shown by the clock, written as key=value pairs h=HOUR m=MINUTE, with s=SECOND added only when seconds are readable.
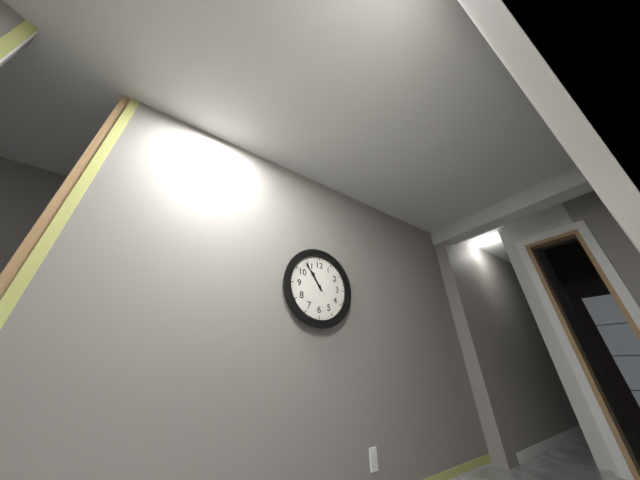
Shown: h=10 m=54
